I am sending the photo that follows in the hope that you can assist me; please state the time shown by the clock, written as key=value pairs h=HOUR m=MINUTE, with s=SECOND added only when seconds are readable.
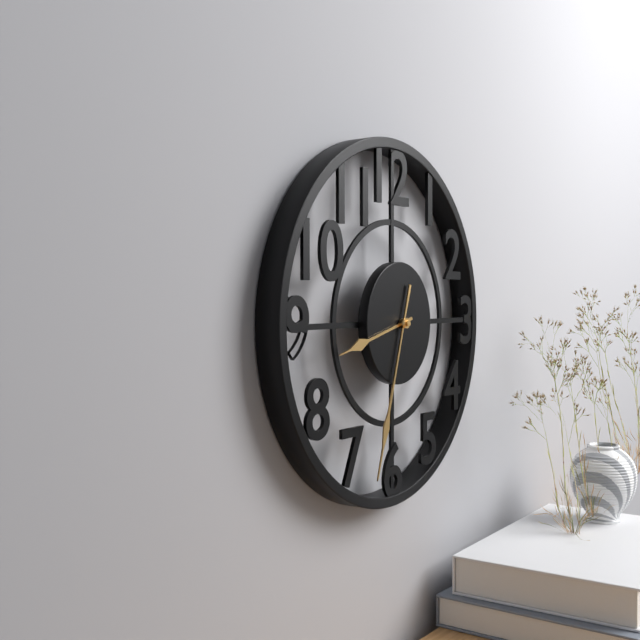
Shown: h=8 m=33
